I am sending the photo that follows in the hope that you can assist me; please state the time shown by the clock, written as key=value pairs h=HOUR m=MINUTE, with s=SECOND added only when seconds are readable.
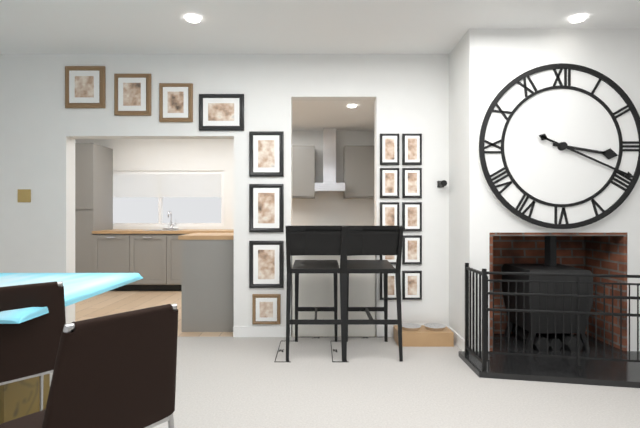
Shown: h=3 m=19
